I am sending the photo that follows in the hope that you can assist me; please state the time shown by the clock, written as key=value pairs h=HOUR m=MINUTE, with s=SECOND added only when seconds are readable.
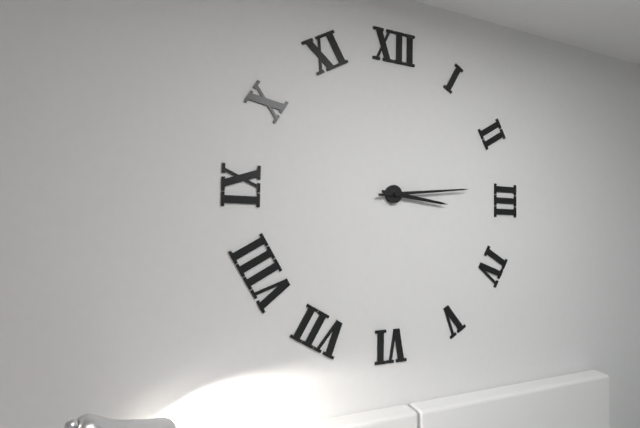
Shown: h=3 m=14
